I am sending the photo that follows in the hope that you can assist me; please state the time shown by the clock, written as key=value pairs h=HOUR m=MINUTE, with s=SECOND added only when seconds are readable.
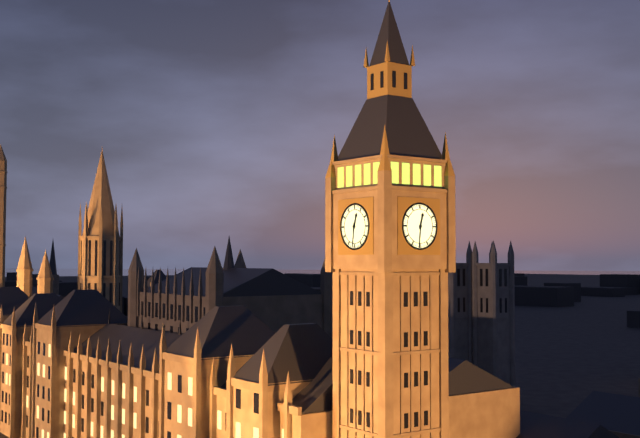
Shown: h=12 m=31
